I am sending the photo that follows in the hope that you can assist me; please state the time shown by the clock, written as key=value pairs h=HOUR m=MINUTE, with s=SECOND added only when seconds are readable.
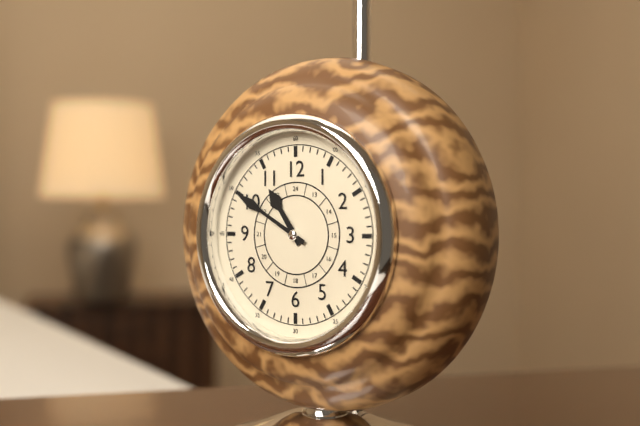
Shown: h=10 m=50
